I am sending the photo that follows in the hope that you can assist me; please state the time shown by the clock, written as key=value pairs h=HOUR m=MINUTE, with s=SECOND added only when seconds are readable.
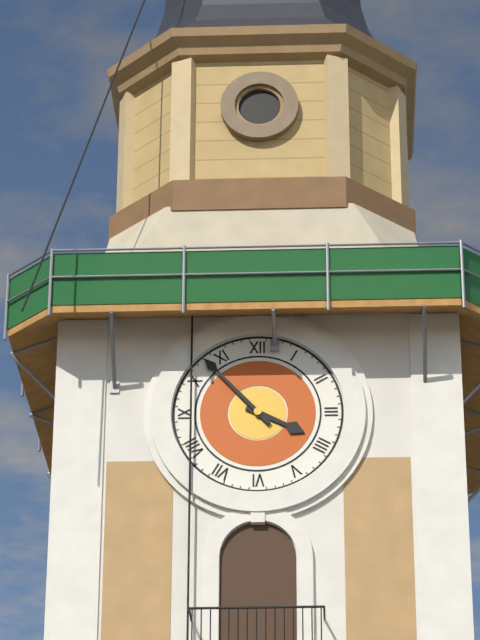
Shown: h=3 m=53
